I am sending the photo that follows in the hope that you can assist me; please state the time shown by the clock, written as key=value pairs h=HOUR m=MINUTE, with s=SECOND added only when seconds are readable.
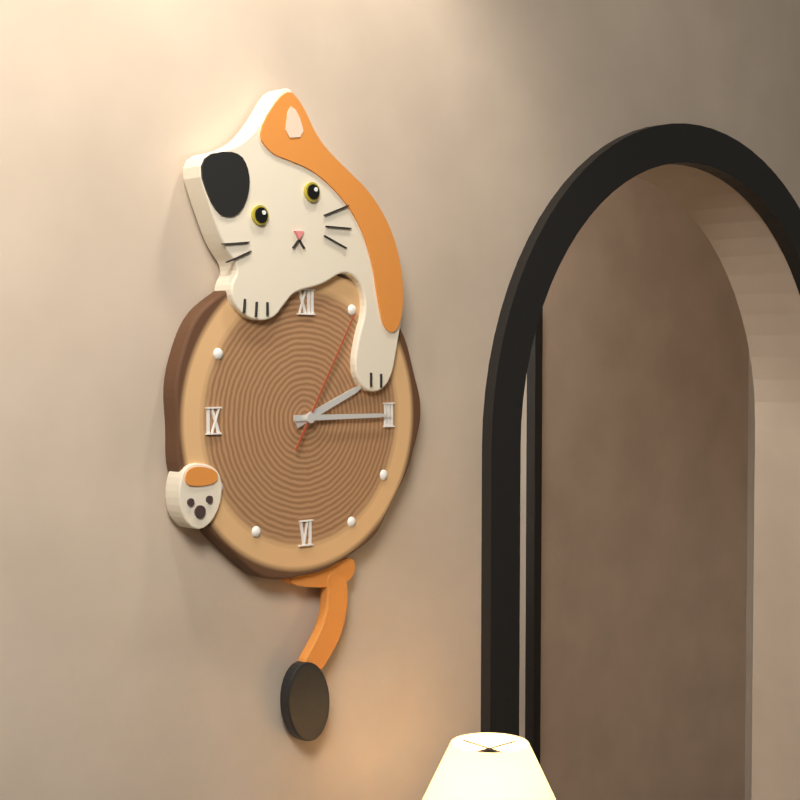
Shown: h=2 m=15 s=5
